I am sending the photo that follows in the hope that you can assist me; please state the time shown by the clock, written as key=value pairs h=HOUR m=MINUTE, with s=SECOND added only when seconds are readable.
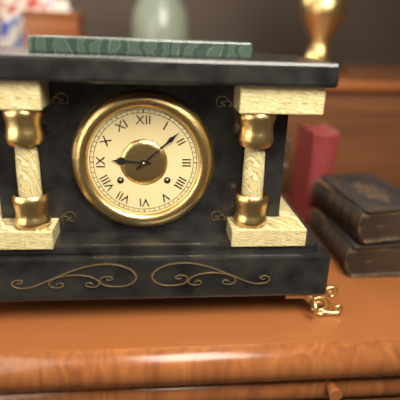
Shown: h=9 m=8
